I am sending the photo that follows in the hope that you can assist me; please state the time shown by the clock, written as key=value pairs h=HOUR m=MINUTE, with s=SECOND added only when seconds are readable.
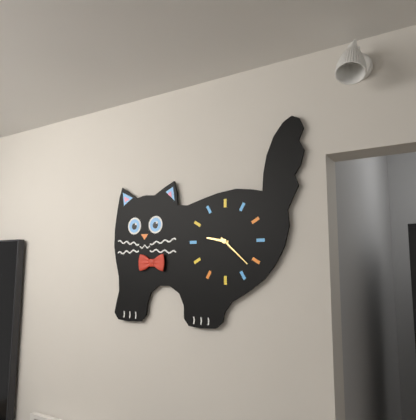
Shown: h=9 m=22
